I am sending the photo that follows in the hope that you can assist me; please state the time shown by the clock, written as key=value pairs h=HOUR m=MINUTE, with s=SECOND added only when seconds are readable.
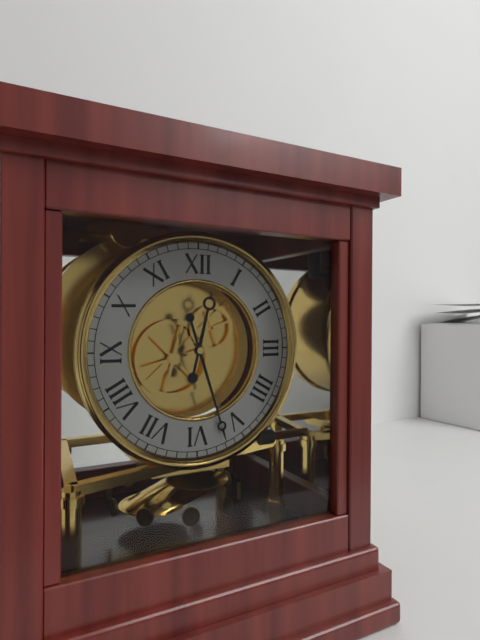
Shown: h=12 m=27
